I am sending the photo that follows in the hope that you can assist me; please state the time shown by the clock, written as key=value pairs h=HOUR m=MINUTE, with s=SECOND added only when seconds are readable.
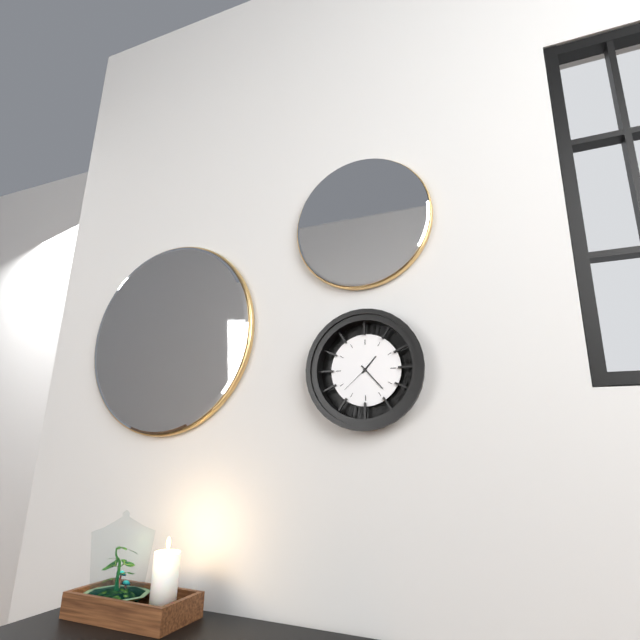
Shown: h=1 m=23
